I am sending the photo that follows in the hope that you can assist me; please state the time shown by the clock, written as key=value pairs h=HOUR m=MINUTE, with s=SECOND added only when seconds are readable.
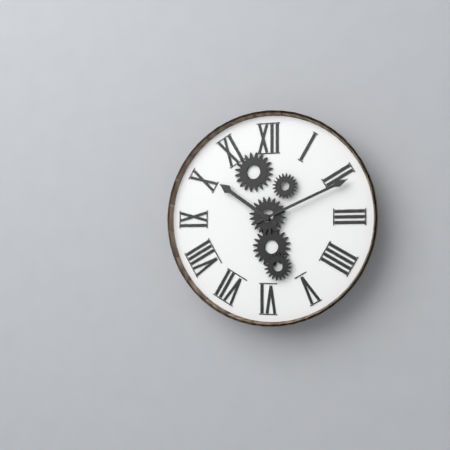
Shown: h=10 m=11
